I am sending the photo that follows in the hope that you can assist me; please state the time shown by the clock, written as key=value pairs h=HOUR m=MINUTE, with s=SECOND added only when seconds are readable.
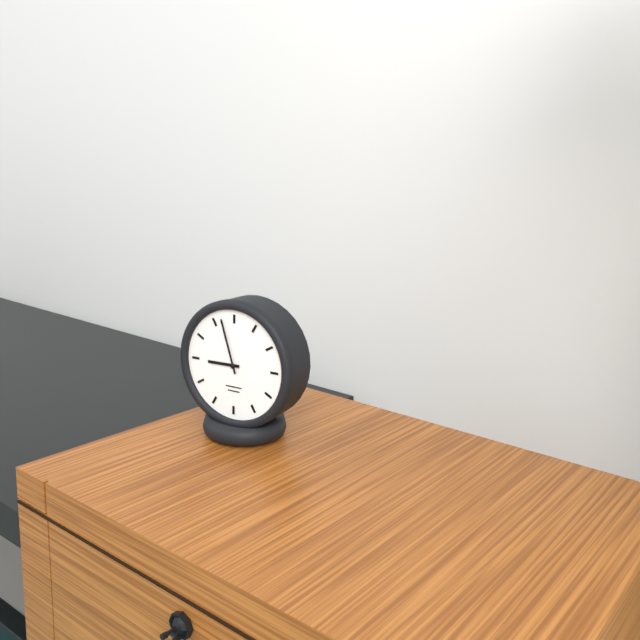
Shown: h=8 m=57
